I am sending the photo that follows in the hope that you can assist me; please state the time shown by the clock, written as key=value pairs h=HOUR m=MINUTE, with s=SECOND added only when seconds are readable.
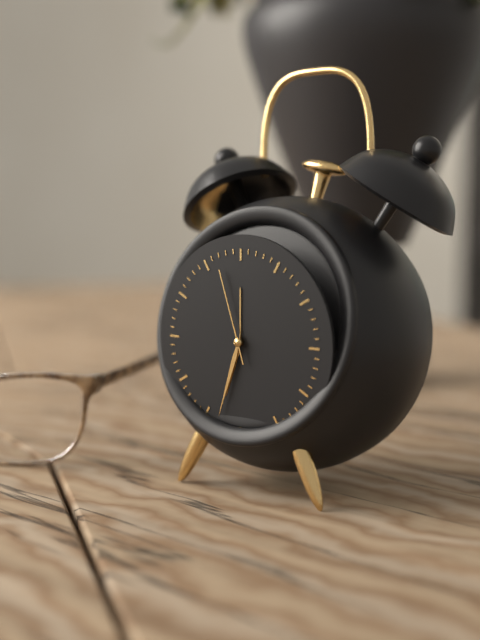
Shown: h=6 m=33 s=57
